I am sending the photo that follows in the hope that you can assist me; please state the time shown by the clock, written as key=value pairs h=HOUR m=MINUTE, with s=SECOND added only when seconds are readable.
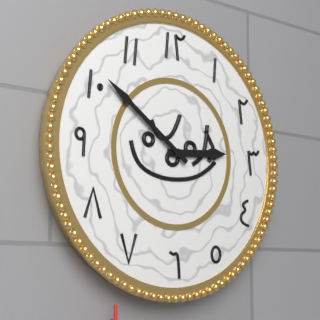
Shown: h=2 m=51
